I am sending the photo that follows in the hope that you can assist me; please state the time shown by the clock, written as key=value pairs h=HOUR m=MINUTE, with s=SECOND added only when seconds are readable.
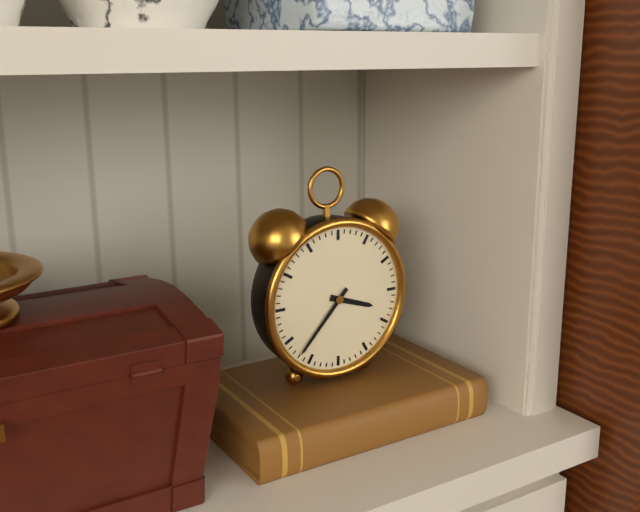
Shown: h=3 m=37
